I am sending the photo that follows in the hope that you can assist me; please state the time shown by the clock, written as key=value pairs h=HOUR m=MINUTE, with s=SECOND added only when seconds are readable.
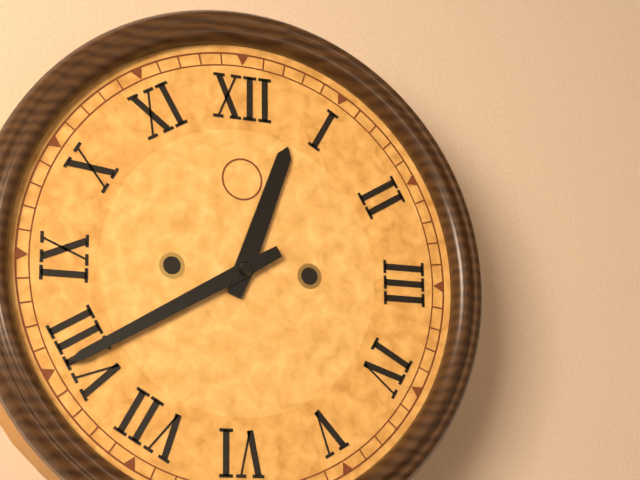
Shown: h=12 m=40
